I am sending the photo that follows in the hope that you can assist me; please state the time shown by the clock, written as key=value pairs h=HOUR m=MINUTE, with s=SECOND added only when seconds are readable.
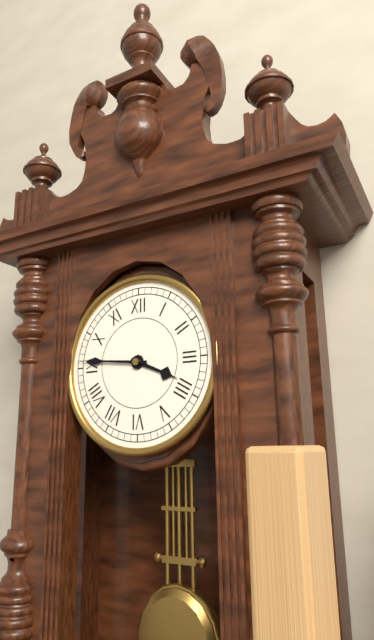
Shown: h=3 m=46
